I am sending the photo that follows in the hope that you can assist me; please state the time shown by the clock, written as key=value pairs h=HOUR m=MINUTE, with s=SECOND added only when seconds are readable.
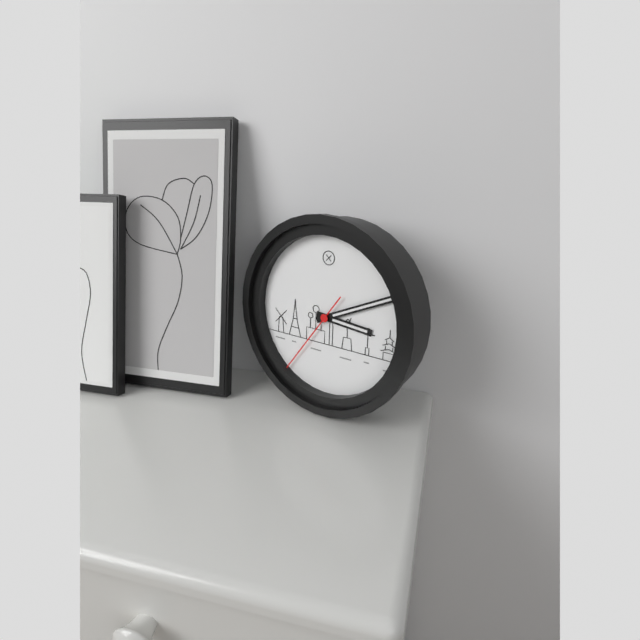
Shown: h=3 m=11 s=36
